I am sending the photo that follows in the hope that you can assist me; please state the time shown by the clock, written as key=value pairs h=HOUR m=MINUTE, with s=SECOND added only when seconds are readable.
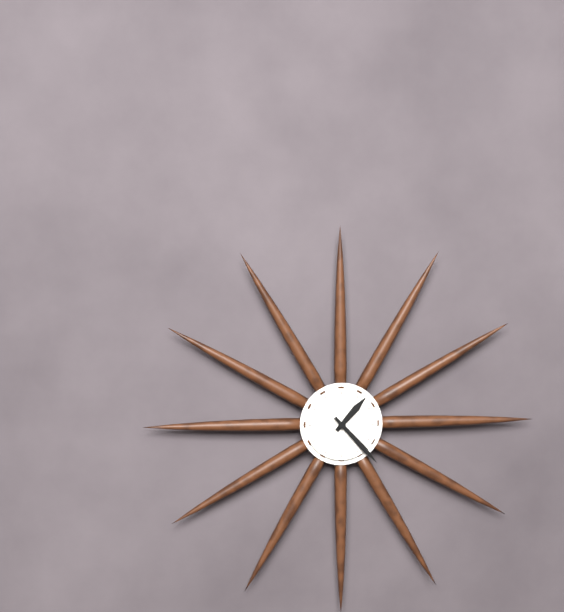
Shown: h=1 m=23
